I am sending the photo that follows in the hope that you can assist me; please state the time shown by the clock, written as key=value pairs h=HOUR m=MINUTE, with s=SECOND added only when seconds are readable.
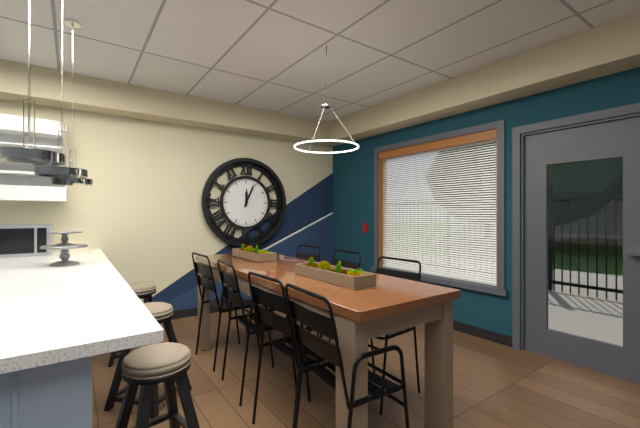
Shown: h=12 m=4
